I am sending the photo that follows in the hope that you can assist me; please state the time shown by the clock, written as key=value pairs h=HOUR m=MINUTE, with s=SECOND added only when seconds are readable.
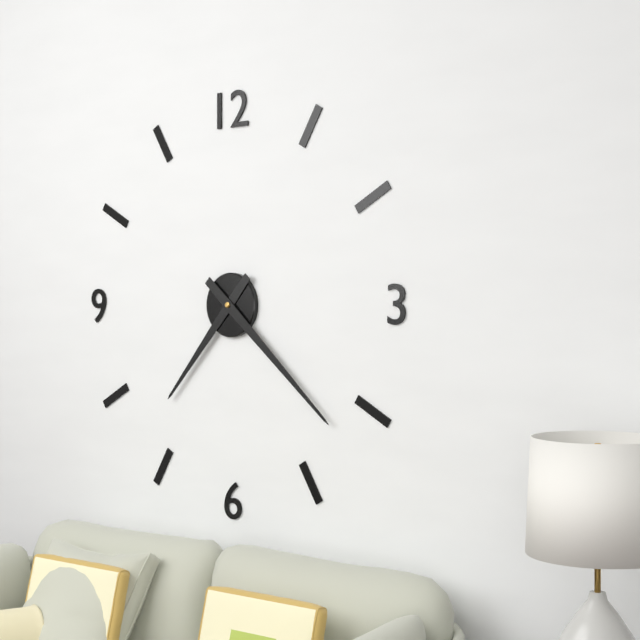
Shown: h=7 m=22
